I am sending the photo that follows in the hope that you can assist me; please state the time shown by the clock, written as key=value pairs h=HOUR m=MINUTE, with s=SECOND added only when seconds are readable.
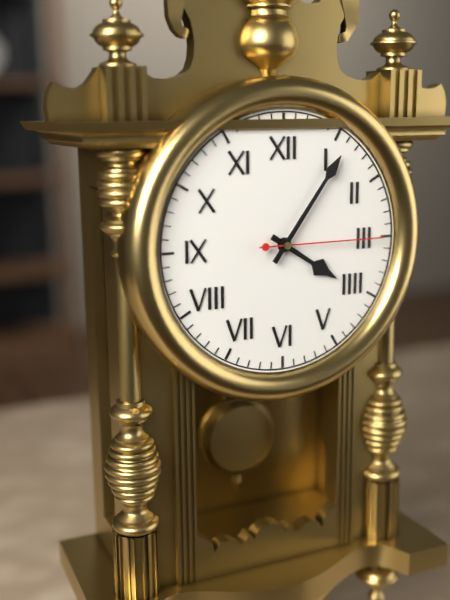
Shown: h=4 m=6 s=15
